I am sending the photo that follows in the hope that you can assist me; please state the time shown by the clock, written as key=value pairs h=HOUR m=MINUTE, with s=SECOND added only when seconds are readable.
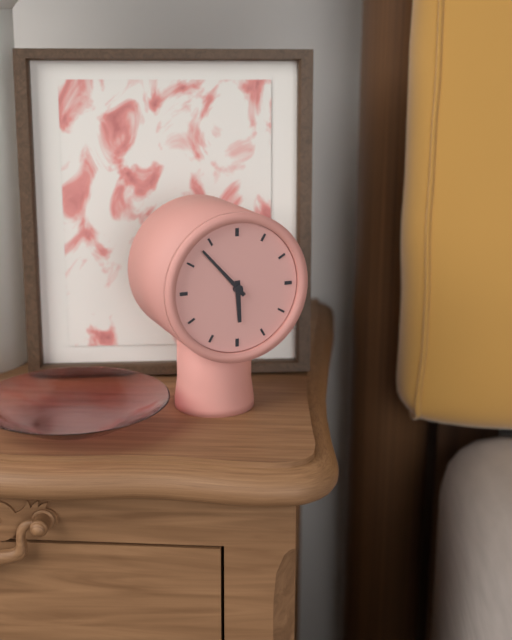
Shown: h=5 m=53
